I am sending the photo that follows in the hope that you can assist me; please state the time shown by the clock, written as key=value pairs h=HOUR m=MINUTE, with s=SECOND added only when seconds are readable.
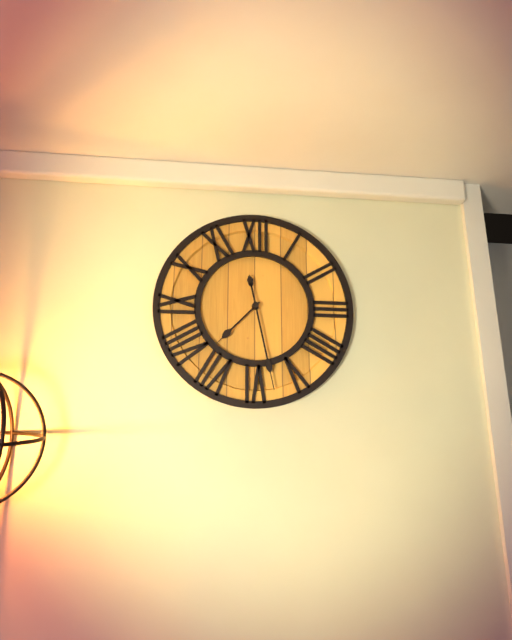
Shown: h=7 m=28
